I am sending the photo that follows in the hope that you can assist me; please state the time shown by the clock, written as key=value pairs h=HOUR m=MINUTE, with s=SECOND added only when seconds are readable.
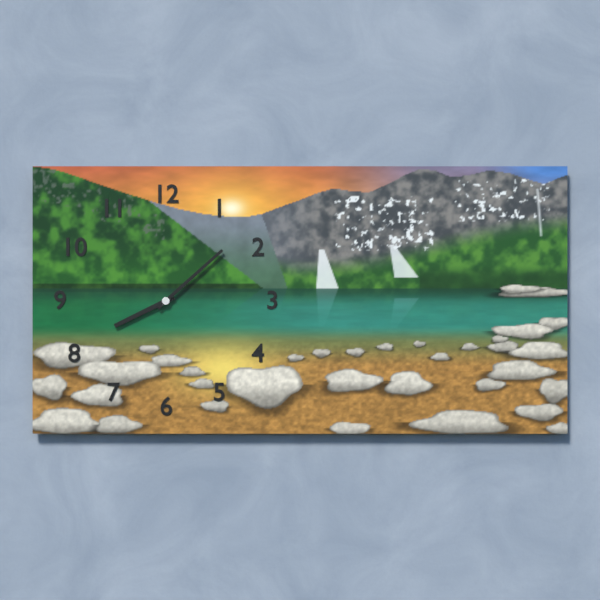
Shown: h=8 m=8
